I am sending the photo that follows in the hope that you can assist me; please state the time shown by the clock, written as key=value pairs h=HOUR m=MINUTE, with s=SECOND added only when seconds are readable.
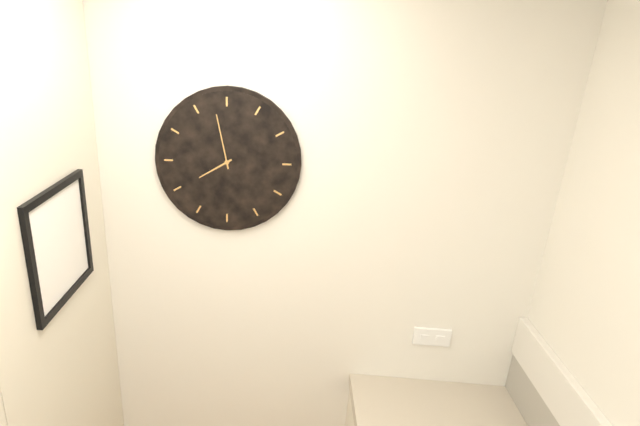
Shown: h=7 m=58
